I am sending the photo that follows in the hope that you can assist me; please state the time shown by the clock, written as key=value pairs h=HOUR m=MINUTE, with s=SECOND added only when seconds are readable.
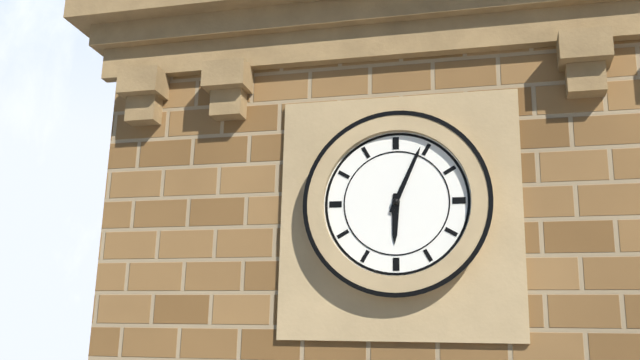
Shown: h=6 m=4
